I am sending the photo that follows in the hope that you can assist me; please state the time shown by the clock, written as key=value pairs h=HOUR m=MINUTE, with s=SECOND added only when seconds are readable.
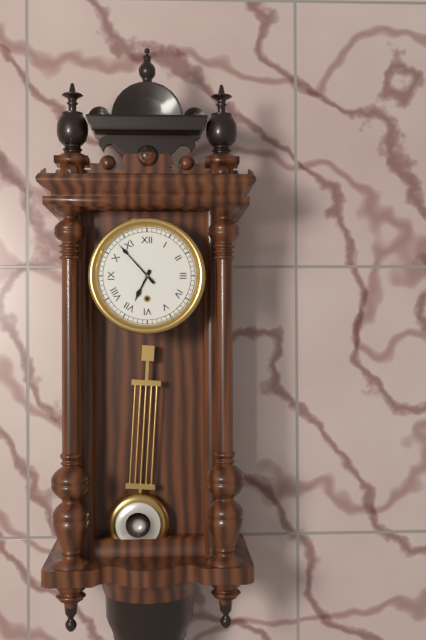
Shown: h=6 m=53
